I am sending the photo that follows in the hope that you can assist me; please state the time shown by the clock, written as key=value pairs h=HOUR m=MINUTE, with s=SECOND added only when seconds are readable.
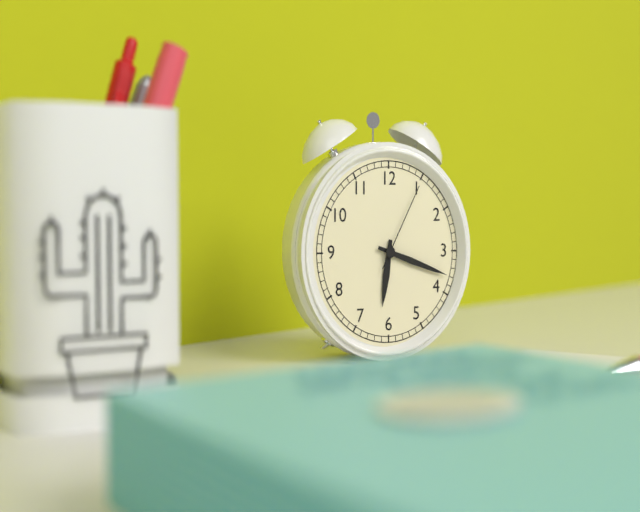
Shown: h=6 m=18 s=5
